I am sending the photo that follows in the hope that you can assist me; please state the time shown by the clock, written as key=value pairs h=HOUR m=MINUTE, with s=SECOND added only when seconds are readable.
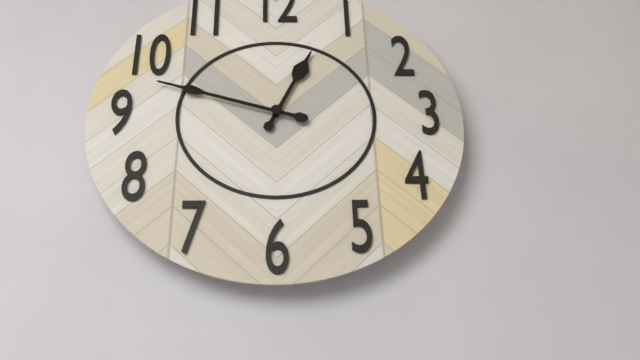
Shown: h=12 m=48
